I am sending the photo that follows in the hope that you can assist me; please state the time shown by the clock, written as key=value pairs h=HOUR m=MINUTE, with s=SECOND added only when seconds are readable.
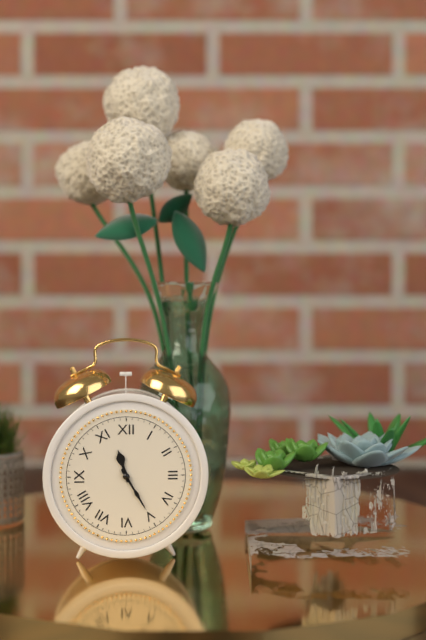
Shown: h=11 m=25
